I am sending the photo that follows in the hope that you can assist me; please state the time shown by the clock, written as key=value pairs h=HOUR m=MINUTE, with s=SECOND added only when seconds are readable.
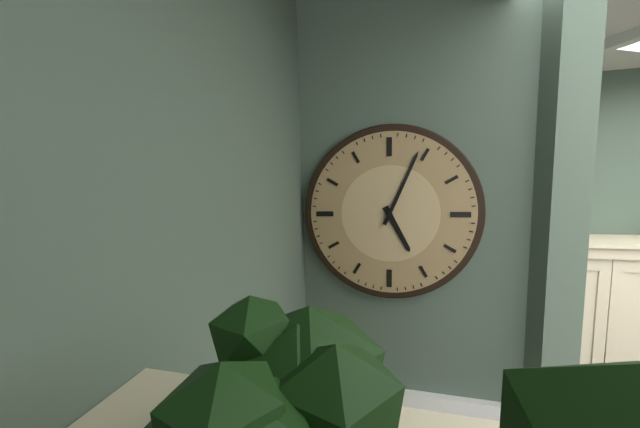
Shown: h=5 m=4
